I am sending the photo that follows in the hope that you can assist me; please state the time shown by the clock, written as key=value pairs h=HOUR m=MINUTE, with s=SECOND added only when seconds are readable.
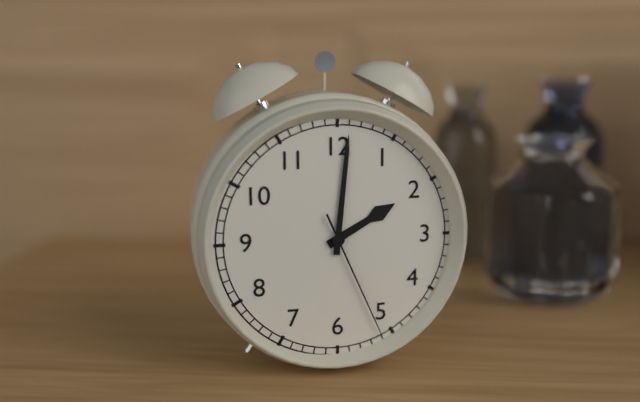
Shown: h=2 m=1 s=26
